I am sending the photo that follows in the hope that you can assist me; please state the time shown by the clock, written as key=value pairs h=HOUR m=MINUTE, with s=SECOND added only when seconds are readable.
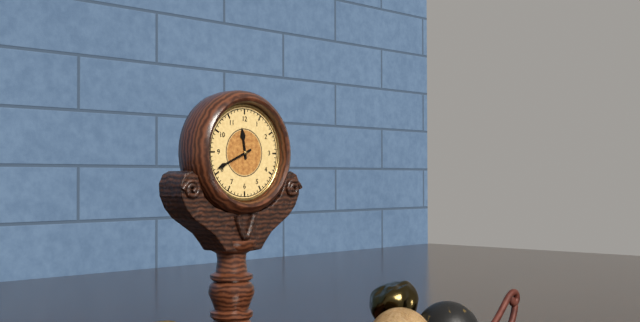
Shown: h=11 m=41
